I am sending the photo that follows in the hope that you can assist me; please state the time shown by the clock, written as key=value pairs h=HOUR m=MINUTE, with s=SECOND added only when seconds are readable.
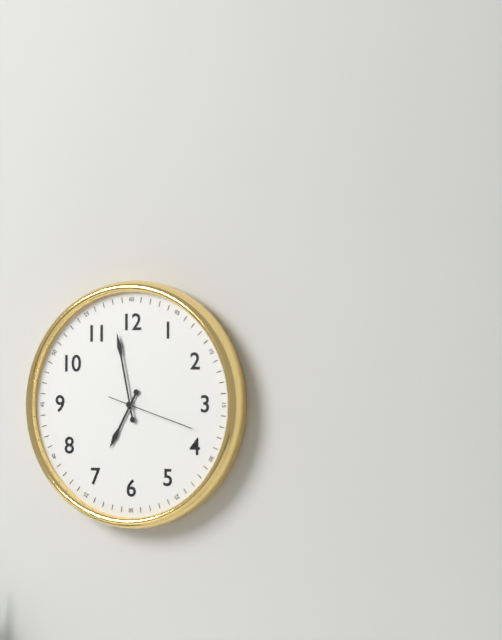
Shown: h=6 m=58 s=18
